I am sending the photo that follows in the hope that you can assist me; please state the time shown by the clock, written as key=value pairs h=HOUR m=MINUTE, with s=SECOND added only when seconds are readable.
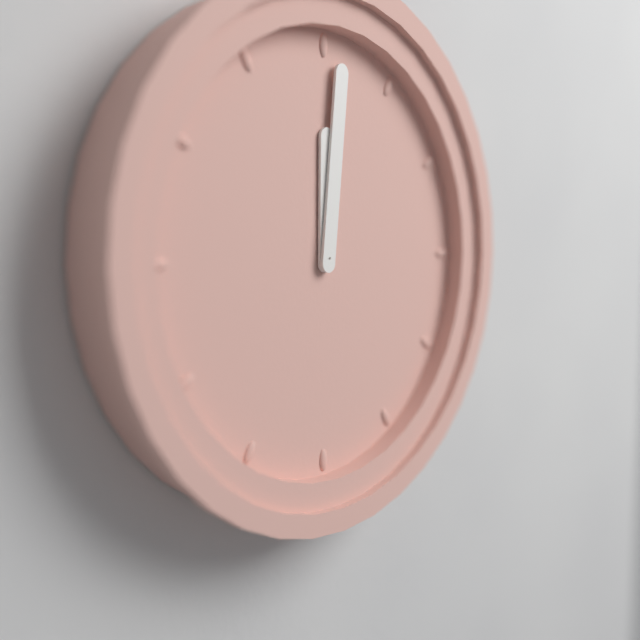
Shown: h=12 m=1
